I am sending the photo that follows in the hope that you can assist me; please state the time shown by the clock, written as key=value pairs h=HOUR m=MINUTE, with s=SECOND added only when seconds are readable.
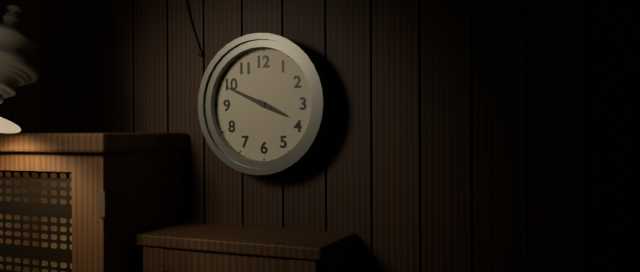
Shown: h=3 m=49
